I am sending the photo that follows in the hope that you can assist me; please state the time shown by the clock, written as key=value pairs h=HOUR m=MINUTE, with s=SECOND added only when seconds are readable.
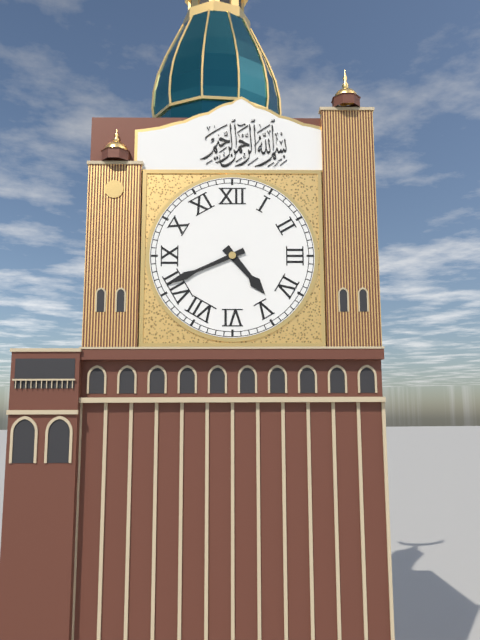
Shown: h=4 m=41
